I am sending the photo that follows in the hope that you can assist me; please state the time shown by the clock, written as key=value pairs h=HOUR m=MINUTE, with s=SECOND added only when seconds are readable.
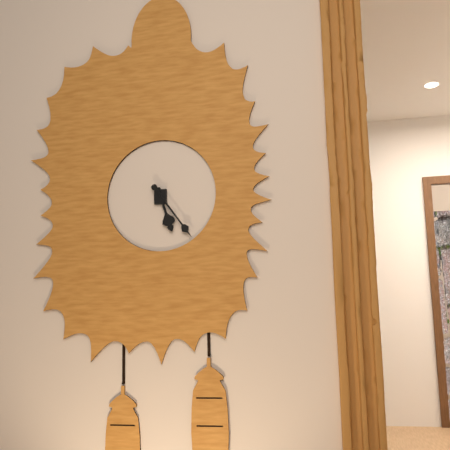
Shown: h=5 m=24
